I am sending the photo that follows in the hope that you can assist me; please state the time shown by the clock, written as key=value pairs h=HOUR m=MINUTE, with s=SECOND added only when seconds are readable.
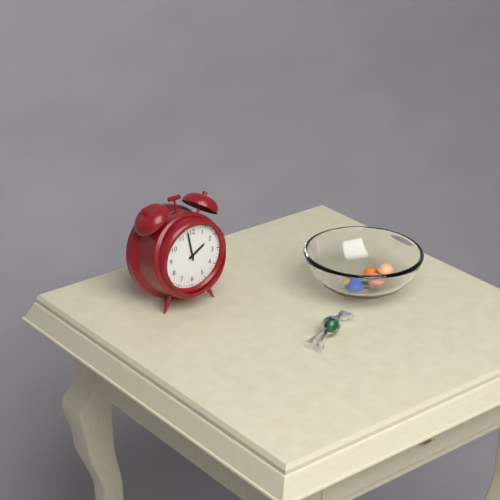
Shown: h=1 m=58
